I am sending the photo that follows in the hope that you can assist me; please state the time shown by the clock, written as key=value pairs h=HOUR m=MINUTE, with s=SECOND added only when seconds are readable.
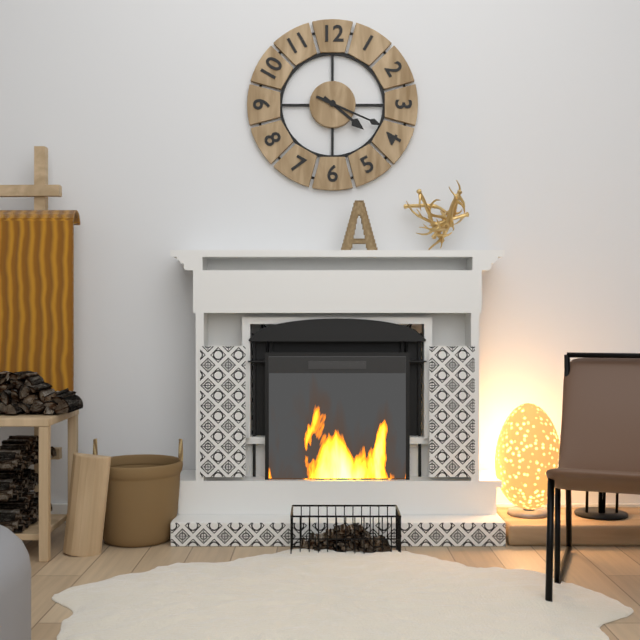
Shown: h=4 m=19
